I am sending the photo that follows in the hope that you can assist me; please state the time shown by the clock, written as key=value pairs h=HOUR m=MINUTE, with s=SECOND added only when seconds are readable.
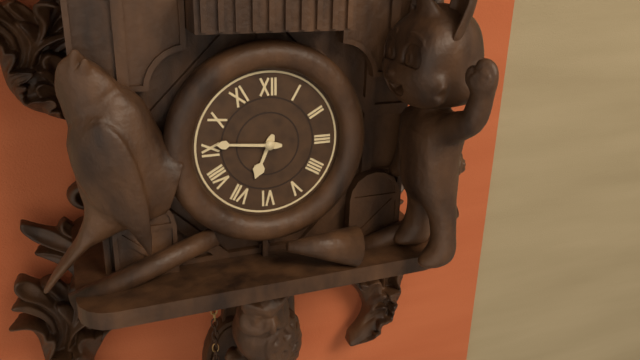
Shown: h=6 m=46
